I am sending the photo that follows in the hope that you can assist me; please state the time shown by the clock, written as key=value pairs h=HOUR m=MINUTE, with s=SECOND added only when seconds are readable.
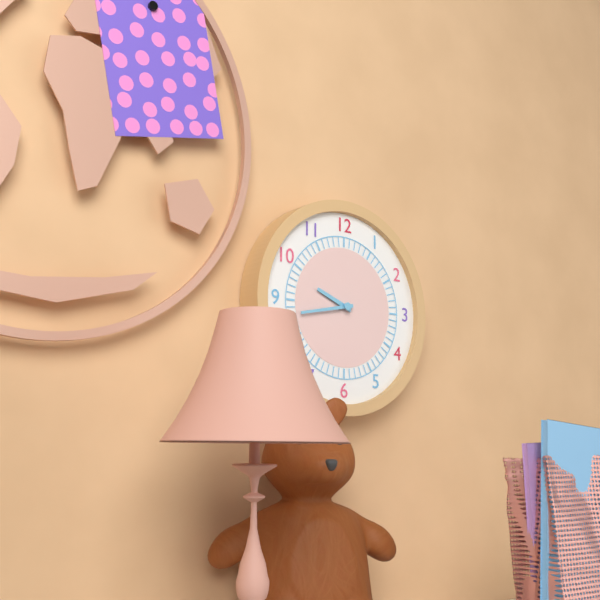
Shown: h=9 m=43
